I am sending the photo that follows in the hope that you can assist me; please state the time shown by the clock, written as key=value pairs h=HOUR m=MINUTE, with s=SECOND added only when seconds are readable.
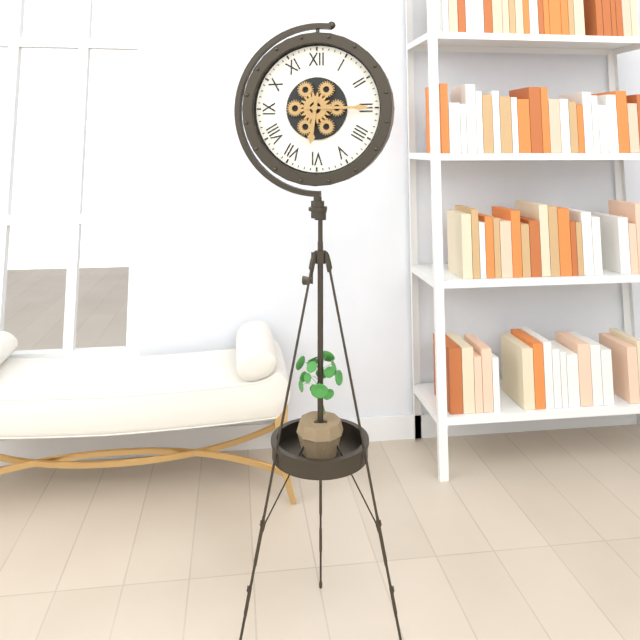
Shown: h=6 m=15
